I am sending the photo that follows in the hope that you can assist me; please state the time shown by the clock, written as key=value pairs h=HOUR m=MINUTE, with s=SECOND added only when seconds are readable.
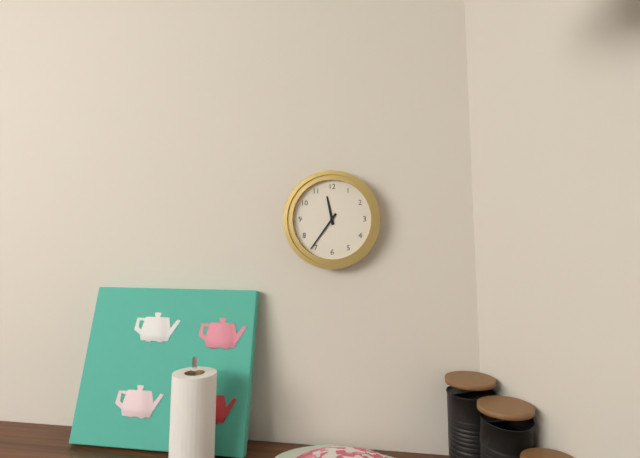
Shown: h=11 m=36
